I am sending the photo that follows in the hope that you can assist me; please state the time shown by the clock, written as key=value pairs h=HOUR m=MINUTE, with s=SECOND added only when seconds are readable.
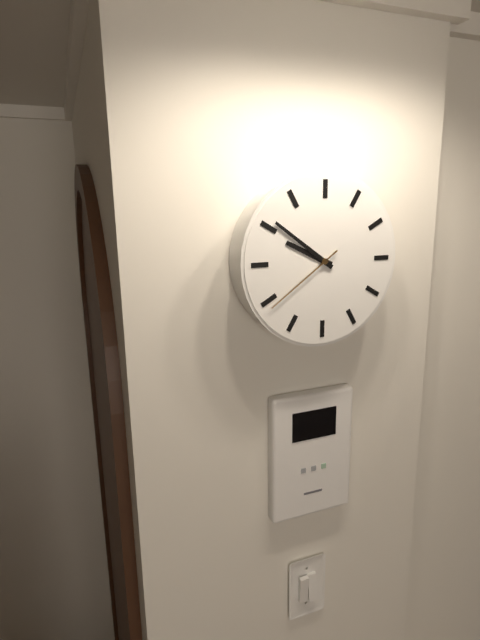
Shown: h=9 m=51 s=39
